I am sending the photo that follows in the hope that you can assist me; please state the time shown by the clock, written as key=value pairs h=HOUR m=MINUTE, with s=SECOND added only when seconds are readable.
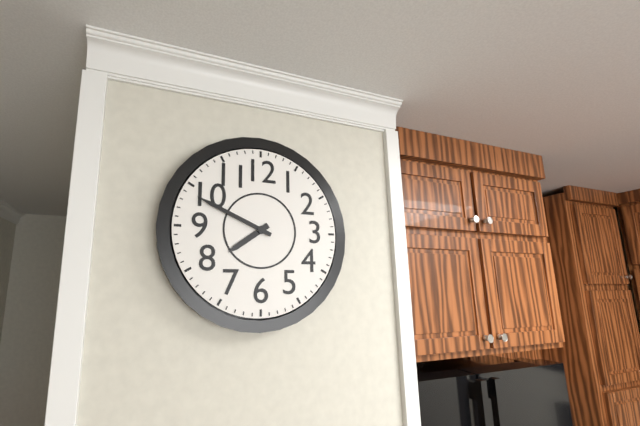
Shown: h=7 m=49
